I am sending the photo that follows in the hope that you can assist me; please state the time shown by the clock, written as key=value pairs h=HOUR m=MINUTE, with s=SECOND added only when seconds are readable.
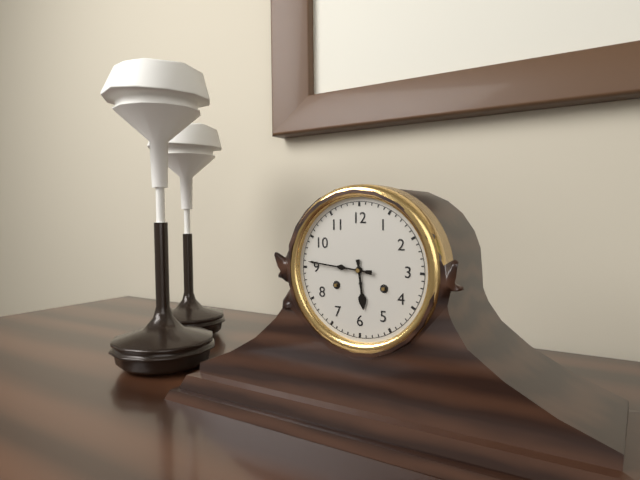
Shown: h=5 m=46
